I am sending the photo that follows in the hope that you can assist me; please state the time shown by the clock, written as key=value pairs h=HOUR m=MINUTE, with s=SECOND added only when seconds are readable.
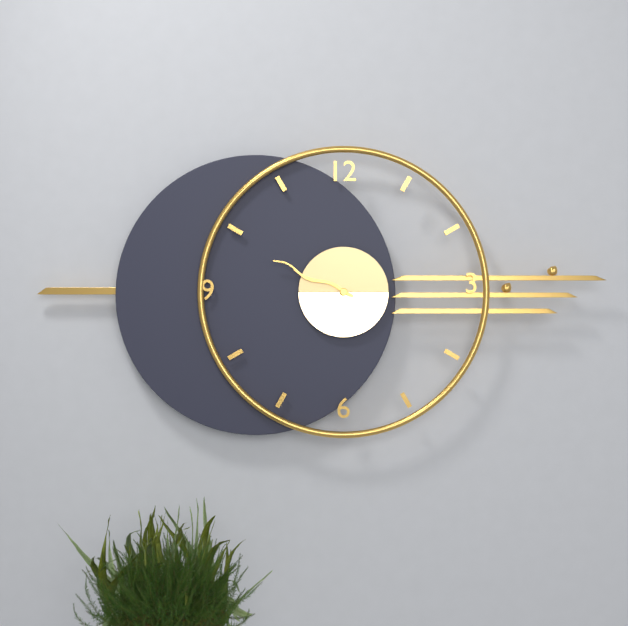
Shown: h=9 m=49
